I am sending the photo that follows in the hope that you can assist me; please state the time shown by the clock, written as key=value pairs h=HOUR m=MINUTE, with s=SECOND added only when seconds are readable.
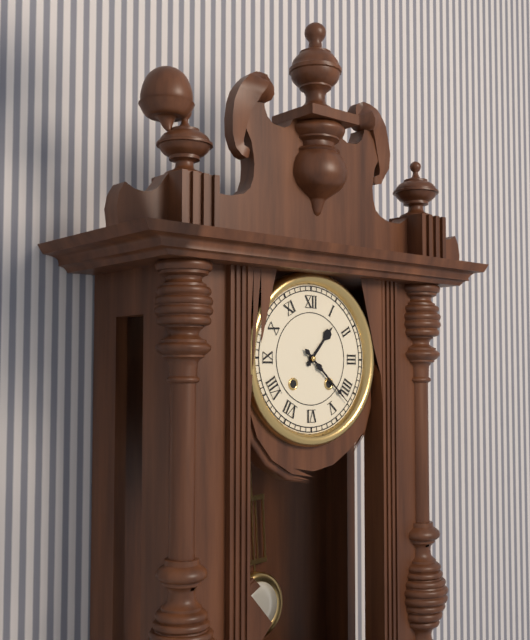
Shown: h=1 m=22
